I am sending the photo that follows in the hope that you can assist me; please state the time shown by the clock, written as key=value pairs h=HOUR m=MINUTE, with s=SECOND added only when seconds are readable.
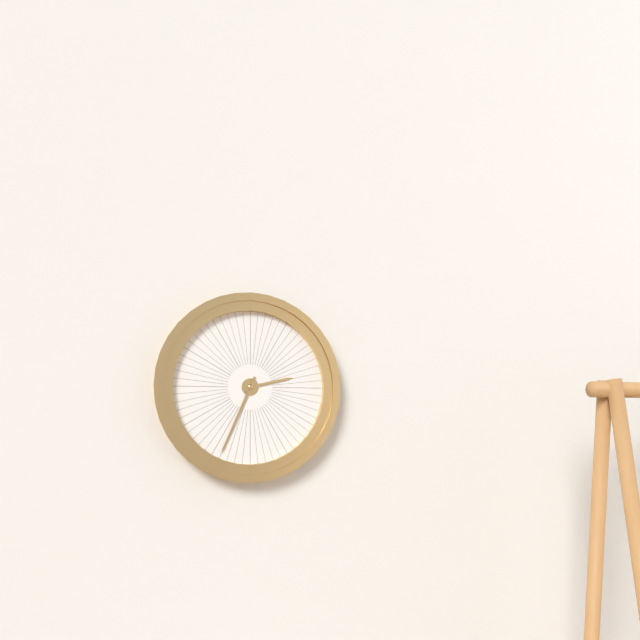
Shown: h=2 m=34
